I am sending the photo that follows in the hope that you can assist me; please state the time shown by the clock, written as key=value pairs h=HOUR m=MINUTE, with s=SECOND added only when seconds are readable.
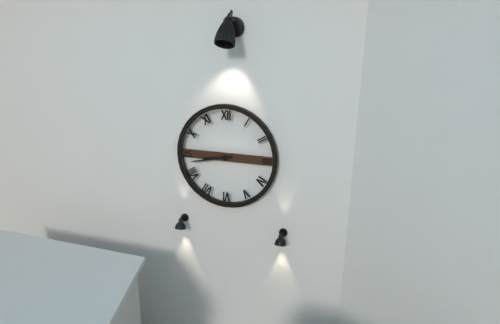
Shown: h=8 m=43
